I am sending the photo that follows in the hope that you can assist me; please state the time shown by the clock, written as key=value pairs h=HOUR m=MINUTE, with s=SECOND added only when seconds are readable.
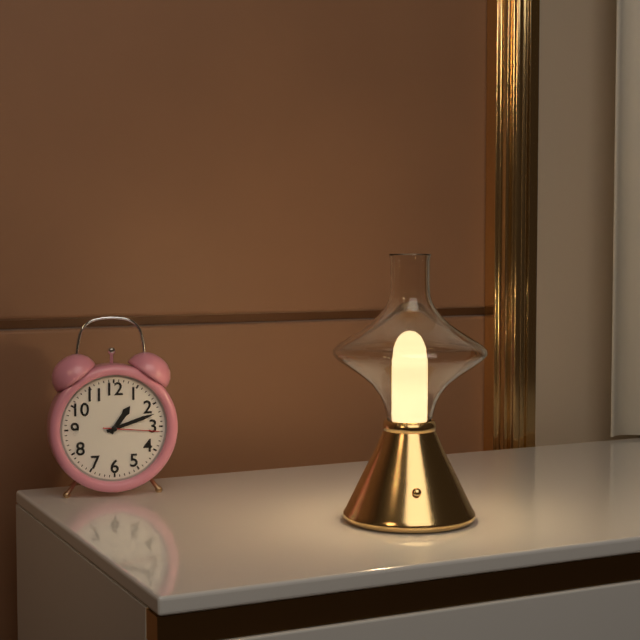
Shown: h=1 m=12 s=16
